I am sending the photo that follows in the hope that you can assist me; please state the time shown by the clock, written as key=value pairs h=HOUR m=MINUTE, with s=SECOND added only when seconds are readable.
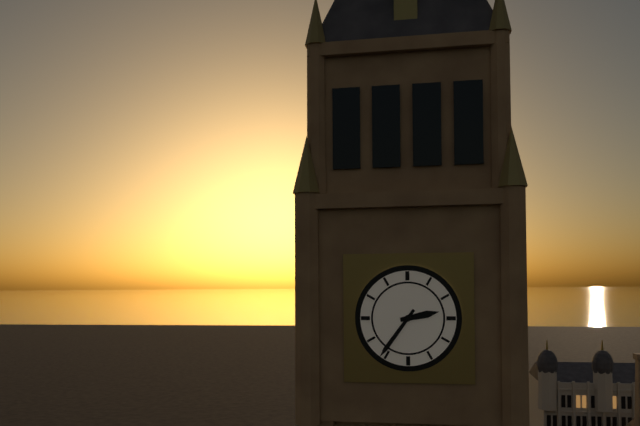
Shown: h=2 m=36
